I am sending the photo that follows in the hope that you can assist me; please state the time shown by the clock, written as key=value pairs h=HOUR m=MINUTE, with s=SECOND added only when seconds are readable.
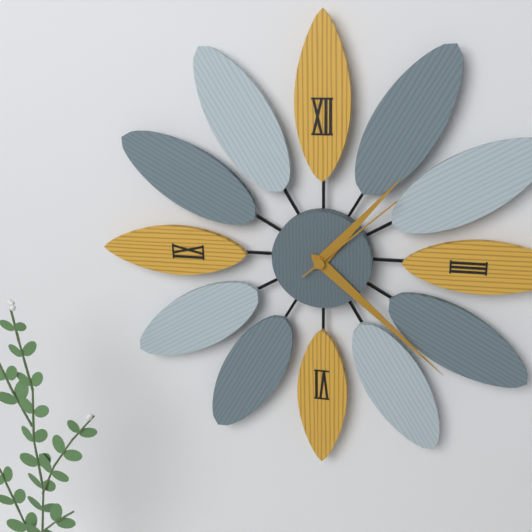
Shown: h=1 m=22 s=8
